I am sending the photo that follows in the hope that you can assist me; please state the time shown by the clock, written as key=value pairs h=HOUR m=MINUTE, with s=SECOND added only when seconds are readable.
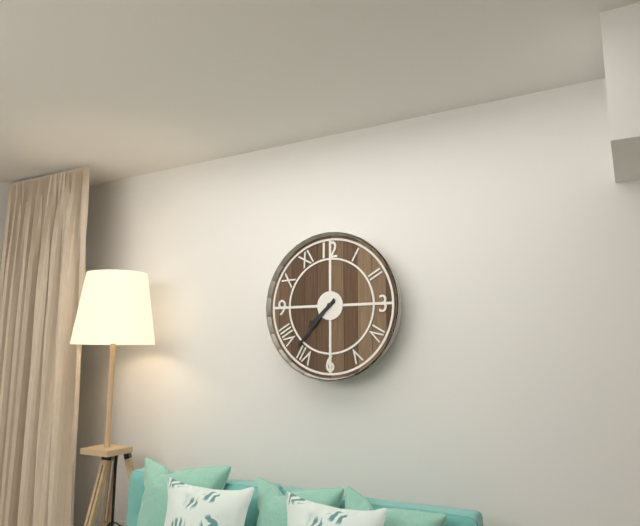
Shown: h=7 m=37
